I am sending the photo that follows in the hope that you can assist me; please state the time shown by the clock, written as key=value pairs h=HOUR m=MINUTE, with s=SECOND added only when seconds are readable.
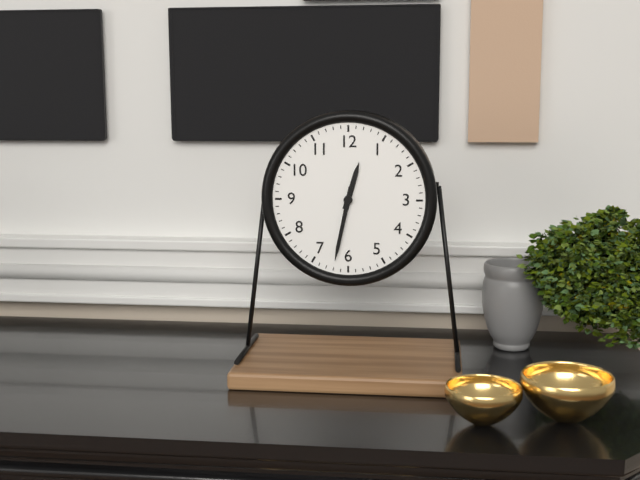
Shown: h=12 m=32
